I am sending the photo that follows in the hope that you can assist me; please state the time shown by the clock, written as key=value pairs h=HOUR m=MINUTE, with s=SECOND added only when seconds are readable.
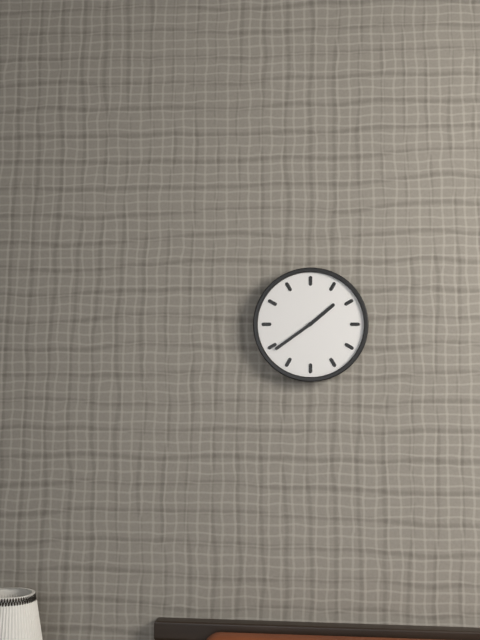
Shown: h=1 m=39
